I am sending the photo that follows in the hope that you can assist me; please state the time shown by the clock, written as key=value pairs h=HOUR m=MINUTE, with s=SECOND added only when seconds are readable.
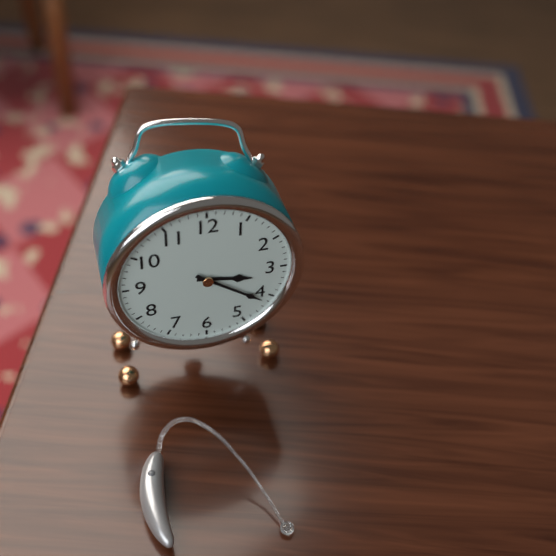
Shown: h=3 m=21
